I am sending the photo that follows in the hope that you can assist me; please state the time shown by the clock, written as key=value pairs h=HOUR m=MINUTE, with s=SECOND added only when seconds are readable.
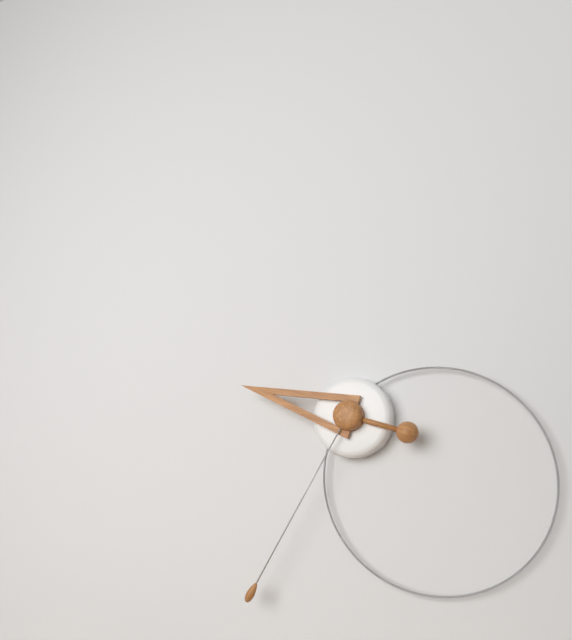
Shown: h=9 m=35
